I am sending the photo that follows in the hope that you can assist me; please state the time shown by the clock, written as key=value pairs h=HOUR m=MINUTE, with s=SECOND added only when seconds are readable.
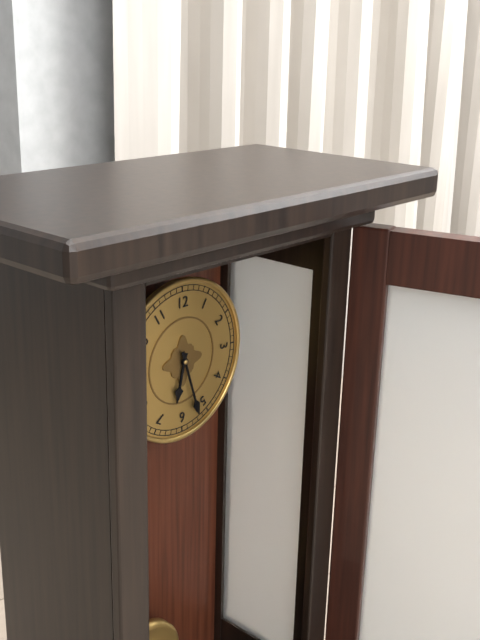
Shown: h=6 m=27
